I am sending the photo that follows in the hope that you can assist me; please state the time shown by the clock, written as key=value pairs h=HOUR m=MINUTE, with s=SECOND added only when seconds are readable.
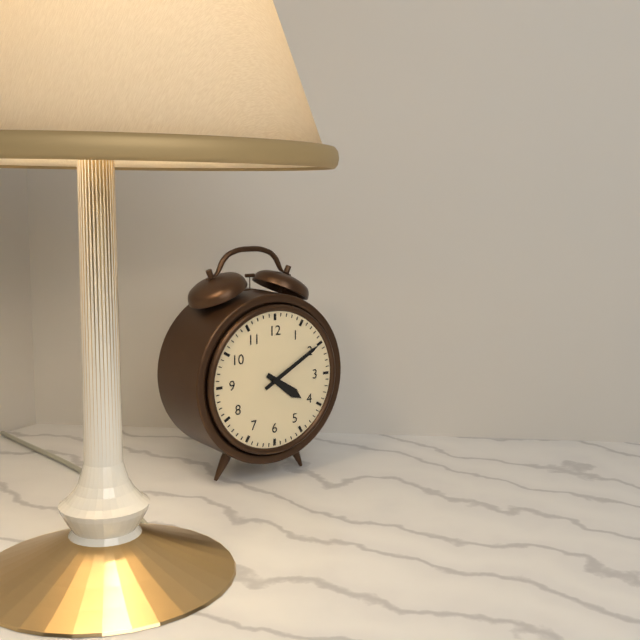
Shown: h=4 m=10
